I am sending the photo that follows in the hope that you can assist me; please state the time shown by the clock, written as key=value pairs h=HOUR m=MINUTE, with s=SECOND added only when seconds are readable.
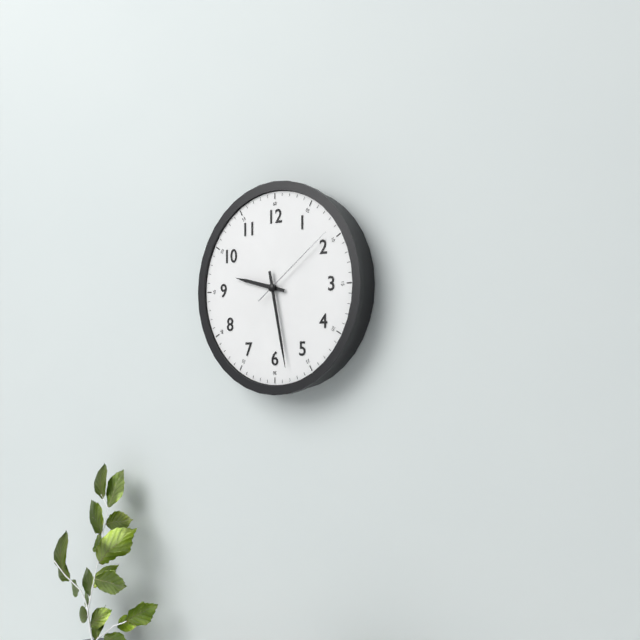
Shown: h=9 m=28 s=9
